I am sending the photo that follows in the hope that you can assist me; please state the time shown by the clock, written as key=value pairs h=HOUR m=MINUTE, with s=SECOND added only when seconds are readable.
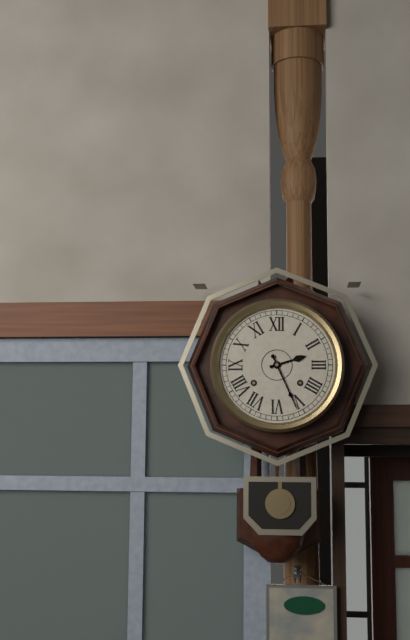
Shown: h=2 m=26
